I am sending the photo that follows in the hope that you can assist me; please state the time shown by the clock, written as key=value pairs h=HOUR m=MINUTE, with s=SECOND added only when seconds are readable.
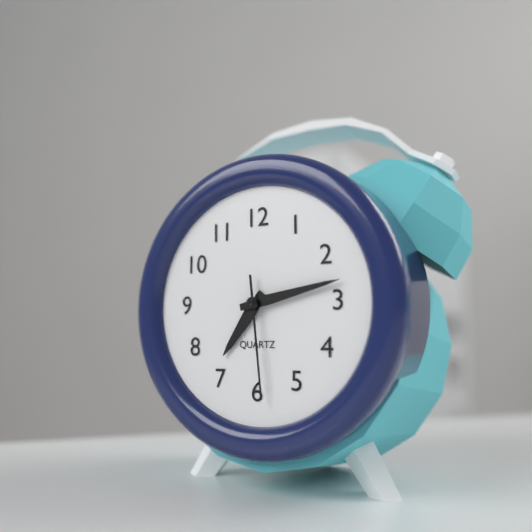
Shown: h=7 m=13 s=29
